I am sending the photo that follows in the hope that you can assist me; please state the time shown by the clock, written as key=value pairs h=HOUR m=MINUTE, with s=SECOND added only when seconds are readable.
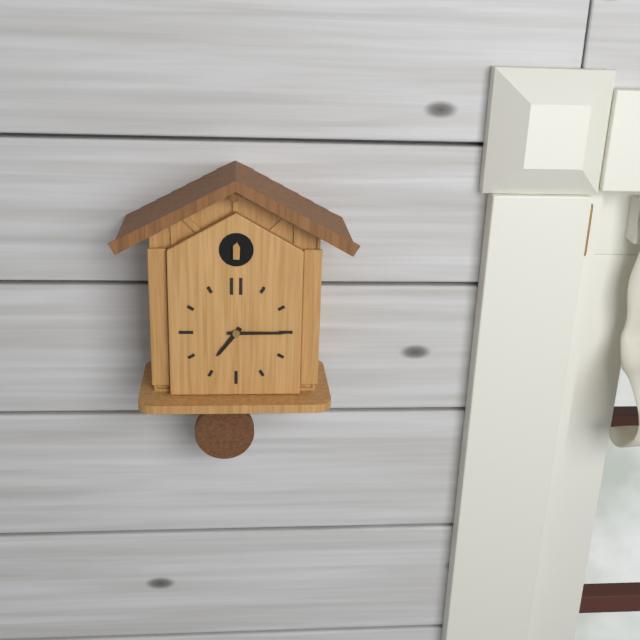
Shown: h=7 m=15
